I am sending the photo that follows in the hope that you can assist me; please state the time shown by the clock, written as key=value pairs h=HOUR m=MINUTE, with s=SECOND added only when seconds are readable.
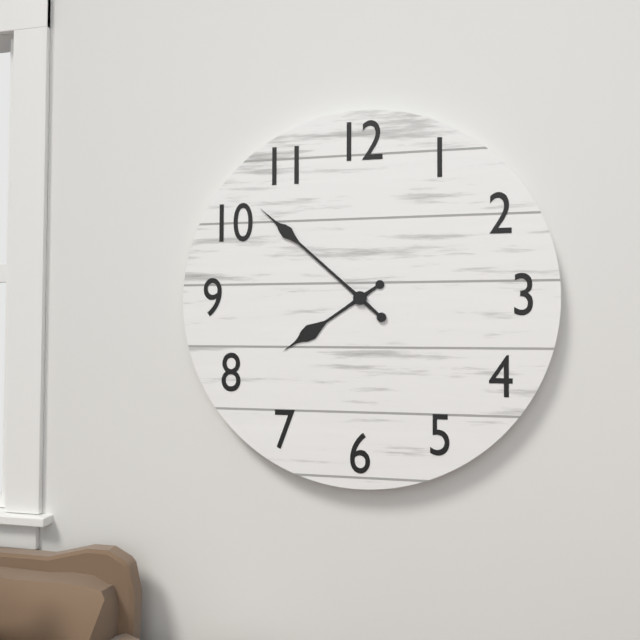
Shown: h=7 m=52
